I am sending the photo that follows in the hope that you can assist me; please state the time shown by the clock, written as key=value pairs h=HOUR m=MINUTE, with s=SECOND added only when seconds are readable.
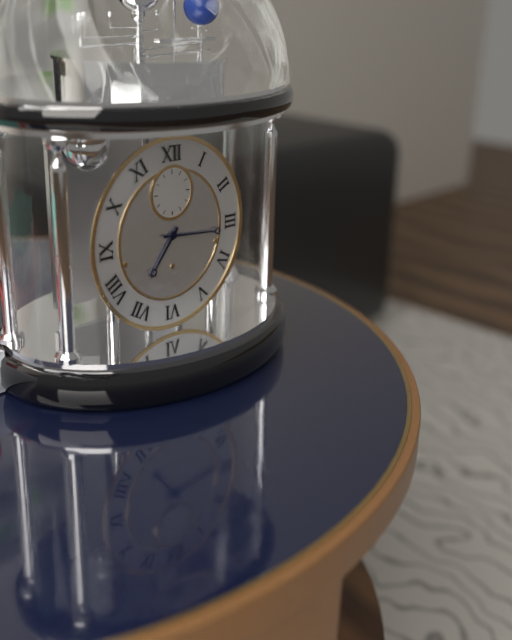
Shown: h=7 m=16
